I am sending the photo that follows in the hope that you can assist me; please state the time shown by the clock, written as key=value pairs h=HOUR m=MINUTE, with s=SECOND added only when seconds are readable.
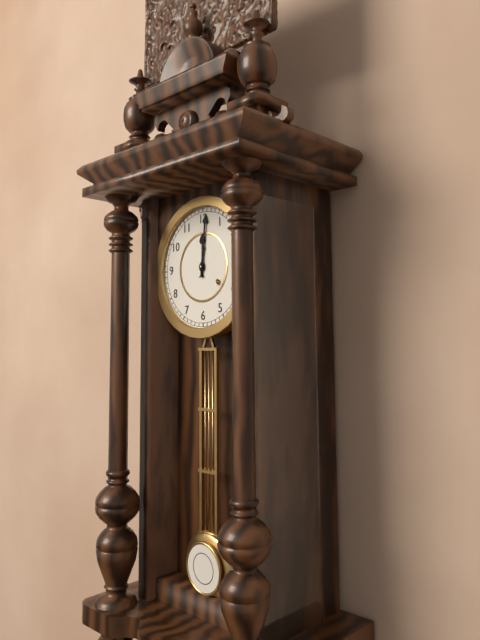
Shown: h=12 m=1
